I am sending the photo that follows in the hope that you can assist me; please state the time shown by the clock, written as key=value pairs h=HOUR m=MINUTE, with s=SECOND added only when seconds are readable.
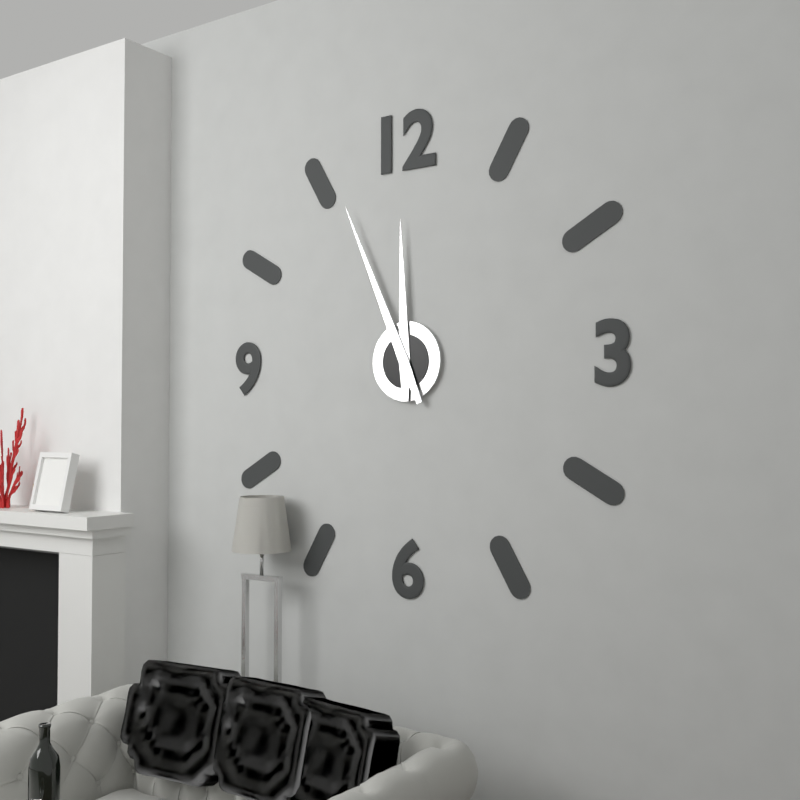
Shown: h=11 m=56
